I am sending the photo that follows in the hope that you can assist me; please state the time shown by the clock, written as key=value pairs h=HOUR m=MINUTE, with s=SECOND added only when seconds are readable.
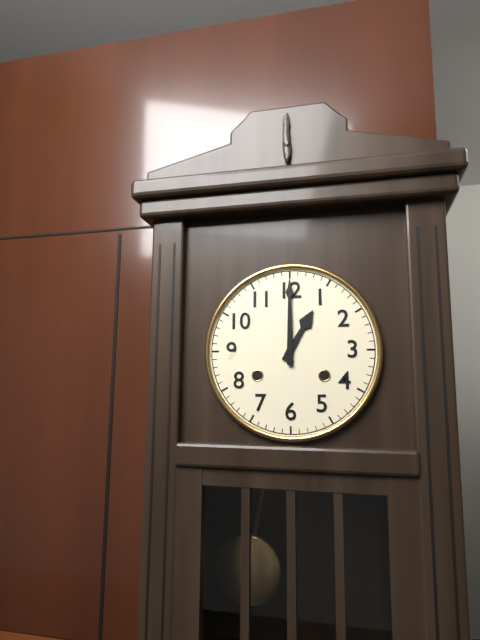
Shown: h=1 m=0
